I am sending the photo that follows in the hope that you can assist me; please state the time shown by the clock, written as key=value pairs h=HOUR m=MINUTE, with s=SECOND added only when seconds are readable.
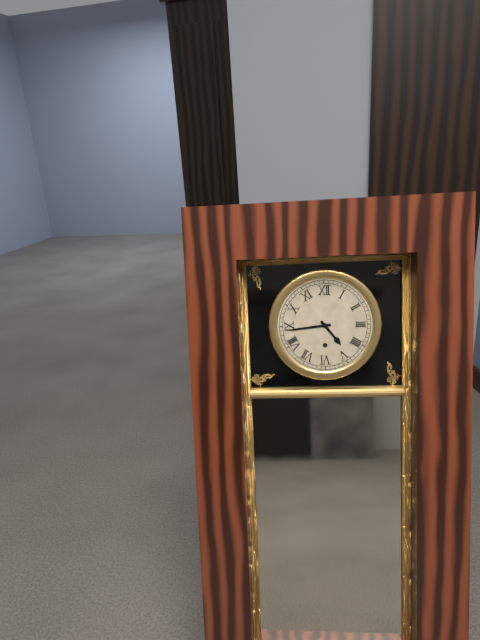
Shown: h=4 m=44
